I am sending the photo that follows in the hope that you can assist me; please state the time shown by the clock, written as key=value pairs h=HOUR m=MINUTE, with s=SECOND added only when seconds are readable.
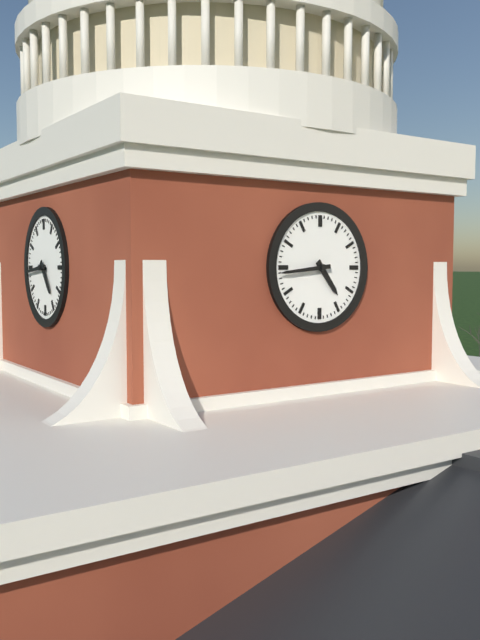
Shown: h=4 m=44
